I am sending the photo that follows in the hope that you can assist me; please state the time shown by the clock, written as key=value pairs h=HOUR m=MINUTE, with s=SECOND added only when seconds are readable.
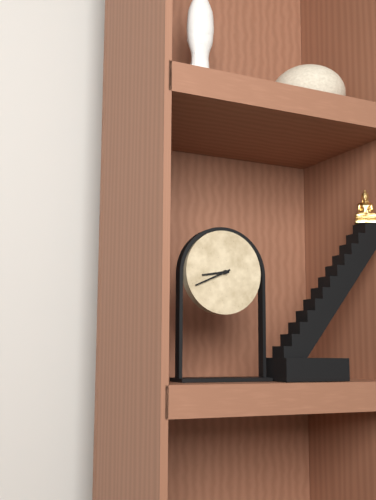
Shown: h=8 m=41
